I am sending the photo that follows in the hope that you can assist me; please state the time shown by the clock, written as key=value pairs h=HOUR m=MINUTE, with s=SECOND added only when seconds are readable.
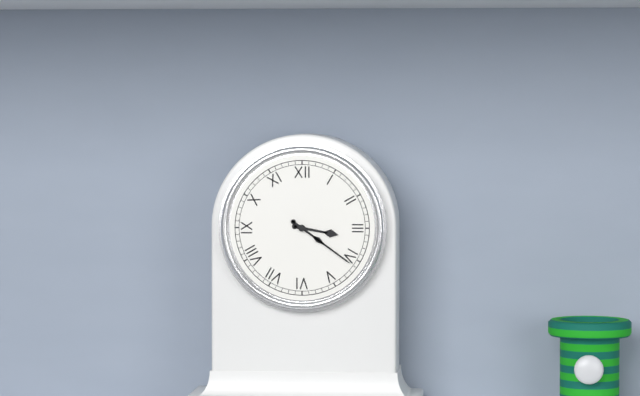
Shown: h=3 m=21
